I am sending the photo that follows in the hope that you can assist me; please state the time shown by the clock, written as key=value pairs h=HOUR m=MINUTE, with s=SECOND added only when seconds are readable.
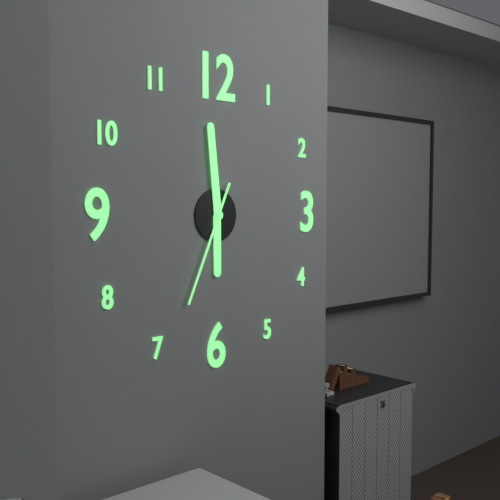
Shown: h=5 m=59 s=34
